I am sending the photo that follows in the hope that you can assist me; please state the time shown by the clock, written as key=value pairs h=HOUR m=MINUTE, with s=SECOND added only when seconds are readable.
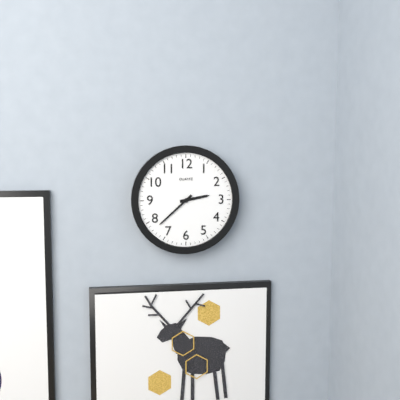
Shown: h=2 m=38
